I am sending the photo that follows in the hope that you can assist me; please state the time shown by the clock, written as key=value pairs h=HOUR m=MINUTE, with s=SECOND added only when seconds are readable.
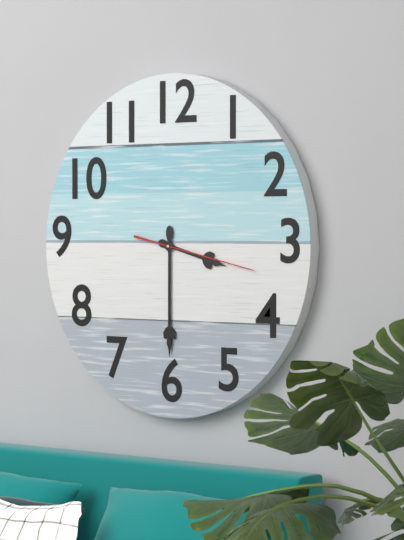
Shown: h=3 m=30 s=17
